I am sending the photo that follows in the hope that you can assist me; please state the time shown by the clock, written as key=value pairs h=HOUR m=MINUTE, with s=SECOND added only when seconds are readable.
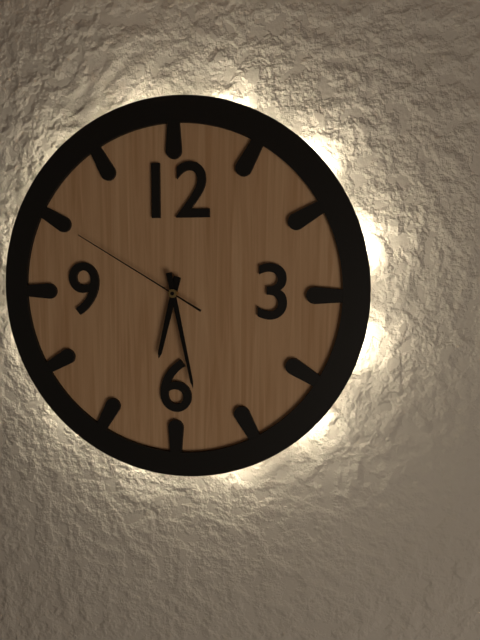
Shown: h=6 m=28 s=50
